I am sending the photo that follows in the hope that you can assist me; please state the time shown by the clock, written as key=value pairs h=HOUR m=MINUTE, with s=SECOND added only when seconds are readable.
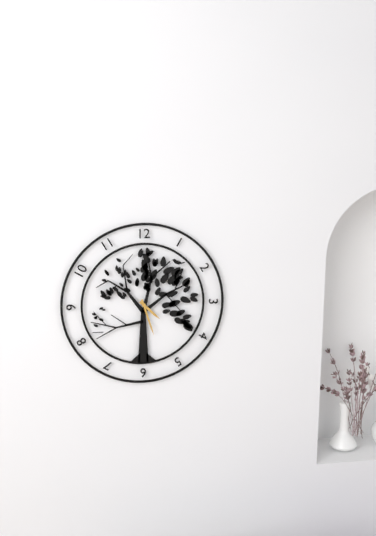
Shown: h=4 m=27
